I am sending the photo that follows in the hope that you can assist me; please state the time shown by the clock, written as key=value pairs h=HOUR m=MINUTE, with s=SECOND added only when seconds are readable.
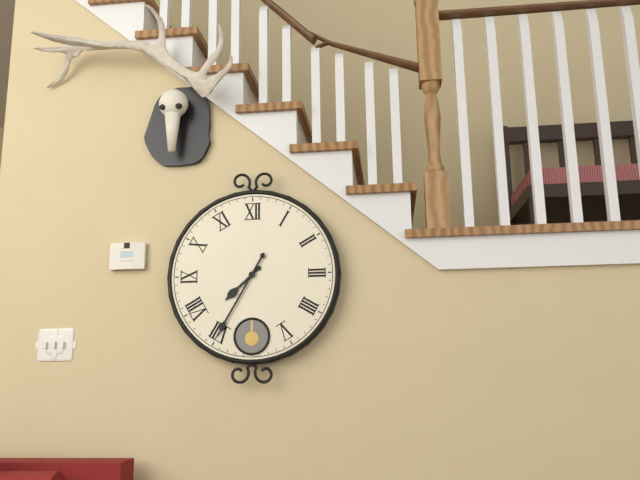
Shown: h=7 m=35
